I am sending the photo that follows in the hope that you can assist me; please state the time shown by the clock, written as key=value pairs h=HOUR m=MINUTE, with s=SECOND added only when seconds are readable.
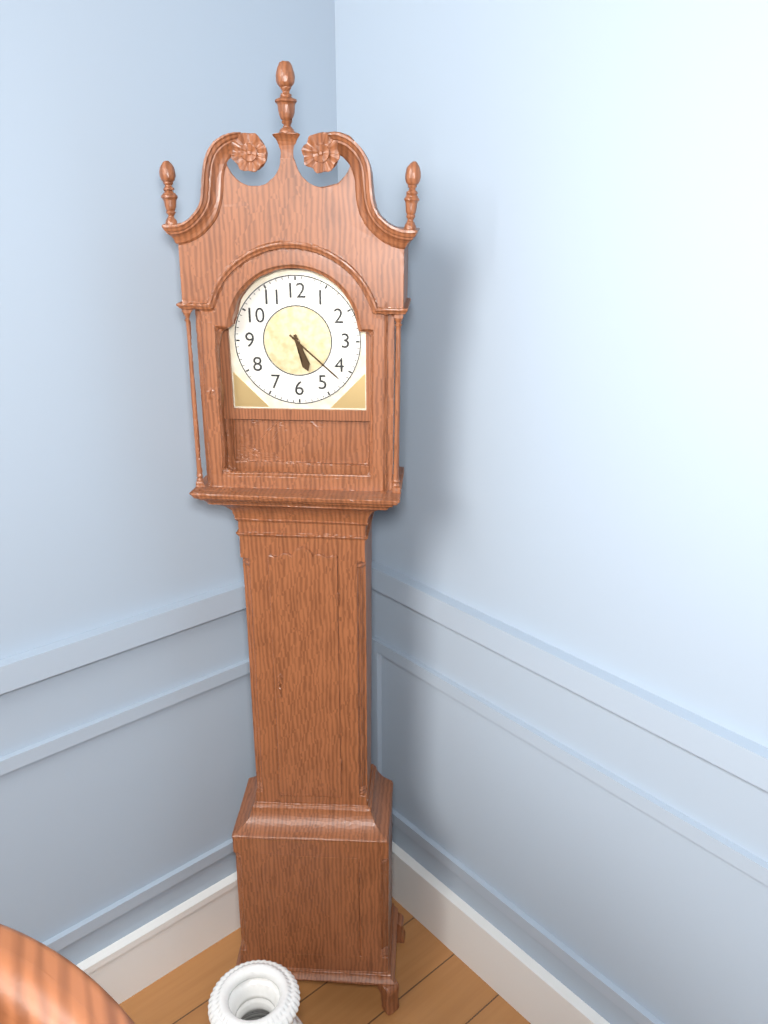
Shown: h=5 m=22
